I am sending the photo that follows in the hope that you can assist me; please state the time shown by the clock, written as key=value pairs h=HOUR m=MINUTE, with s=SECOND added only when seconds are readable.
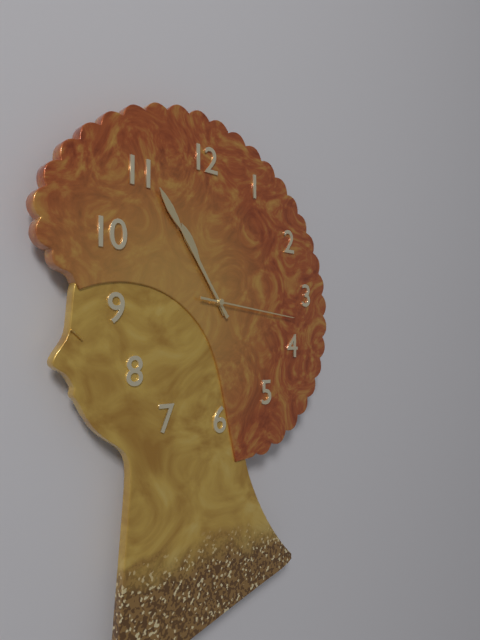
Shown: h=10 m=54 s=16
